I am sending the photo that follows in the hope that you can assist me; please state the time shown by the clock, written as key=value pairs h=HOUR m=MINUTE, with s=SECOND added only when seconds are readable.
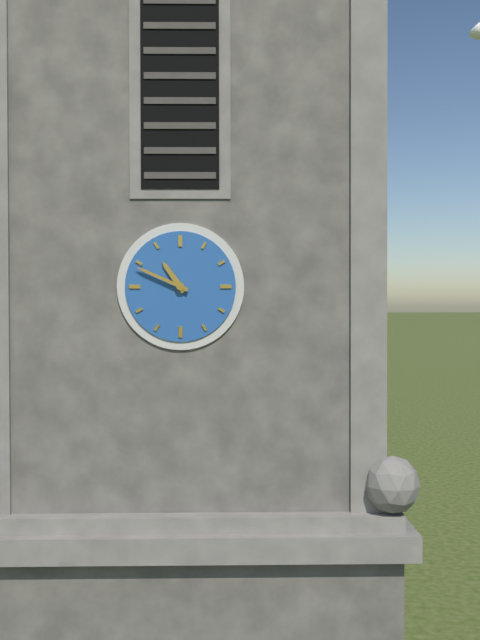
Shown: h=10 m=49
